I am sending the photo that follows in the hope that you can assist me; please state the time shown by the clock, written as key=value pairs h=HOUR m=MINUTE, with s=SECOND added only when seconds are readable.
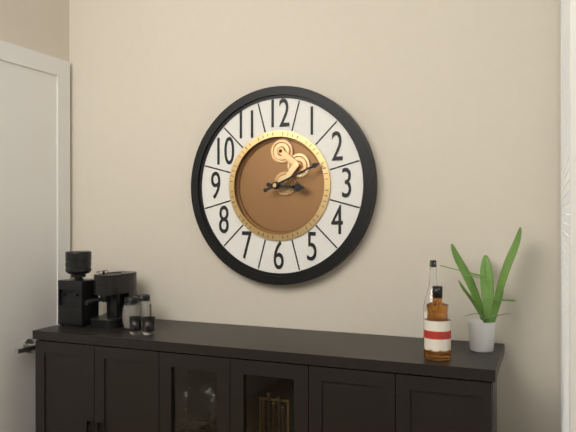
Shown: h=3 m=11
